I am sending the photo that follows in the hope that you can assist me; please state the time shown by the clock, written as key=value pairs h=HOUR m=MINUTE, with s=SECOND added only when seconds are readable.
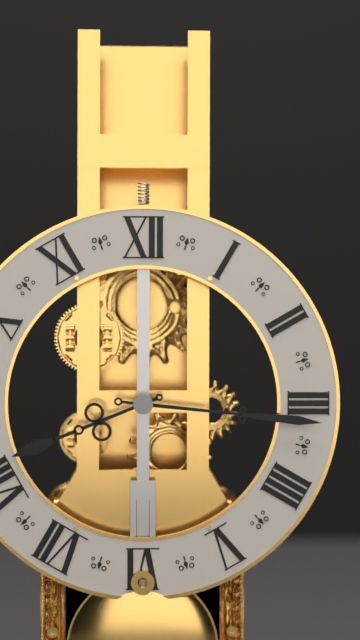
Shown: h=8 m=16
